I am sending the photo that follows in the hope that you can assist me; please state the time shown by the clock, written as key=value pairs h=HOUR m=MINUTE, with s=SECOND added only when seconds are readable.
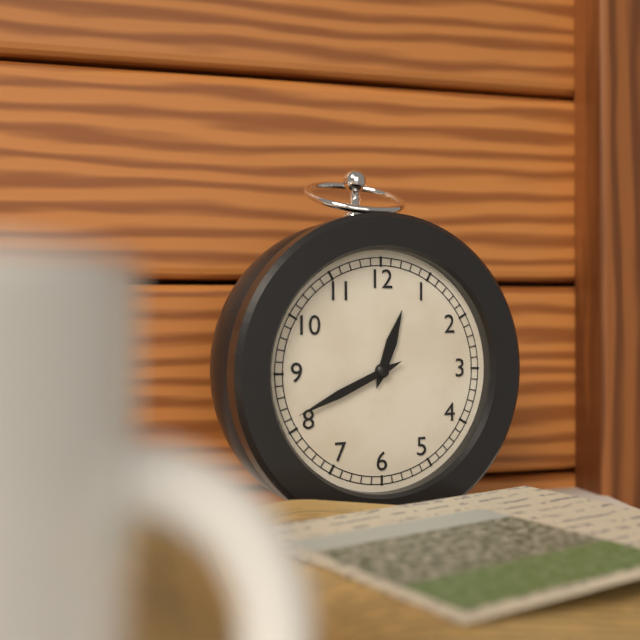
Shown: h=12 m=41
